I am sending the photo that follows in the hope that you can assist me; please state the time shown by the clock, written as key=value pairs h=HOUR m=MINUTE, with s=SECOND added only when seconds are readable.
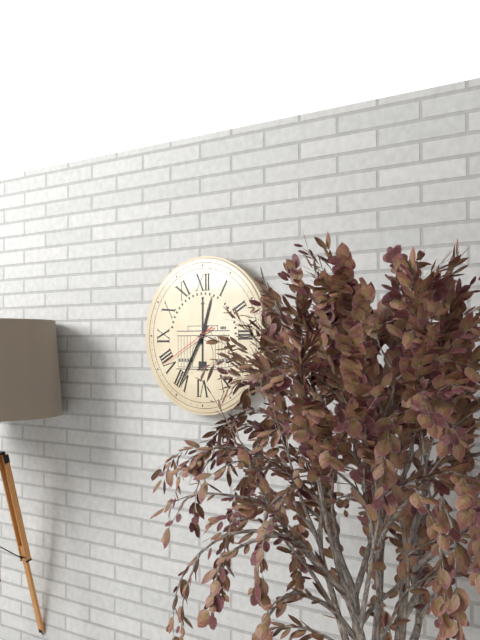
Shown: h=12 m=35 s=40
